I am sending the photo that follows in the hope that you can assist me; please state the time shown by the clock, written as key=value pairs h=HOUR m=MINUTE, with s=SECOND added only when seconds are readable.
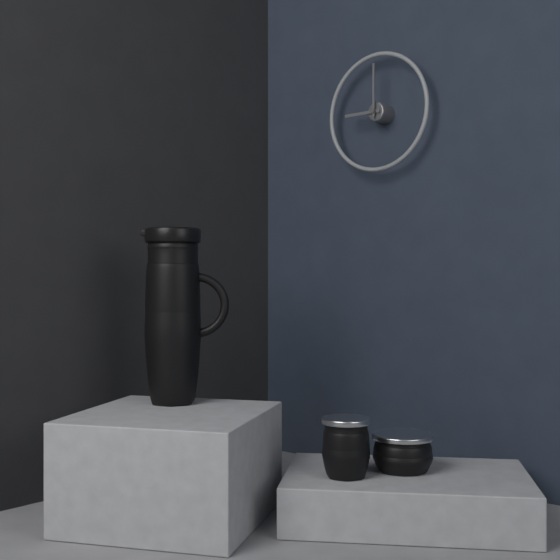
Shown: h=9 m=0
